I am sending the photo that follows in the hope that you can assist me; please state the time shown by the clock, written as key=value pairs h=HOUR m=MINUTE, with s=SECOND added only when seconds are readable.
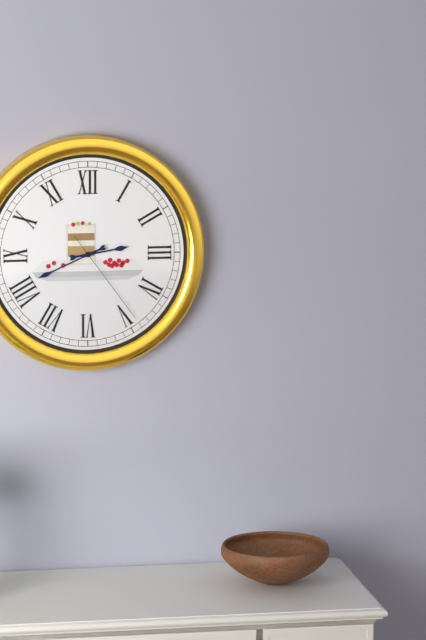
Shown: h=2 m=41 s=24
